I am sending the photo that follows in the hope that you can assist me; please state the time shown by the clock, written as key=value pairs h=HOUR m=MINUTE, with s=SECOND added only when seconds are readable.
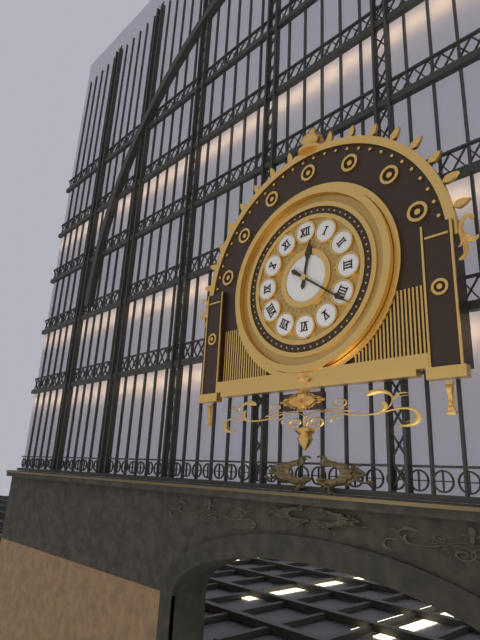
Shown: h=12 m=21
